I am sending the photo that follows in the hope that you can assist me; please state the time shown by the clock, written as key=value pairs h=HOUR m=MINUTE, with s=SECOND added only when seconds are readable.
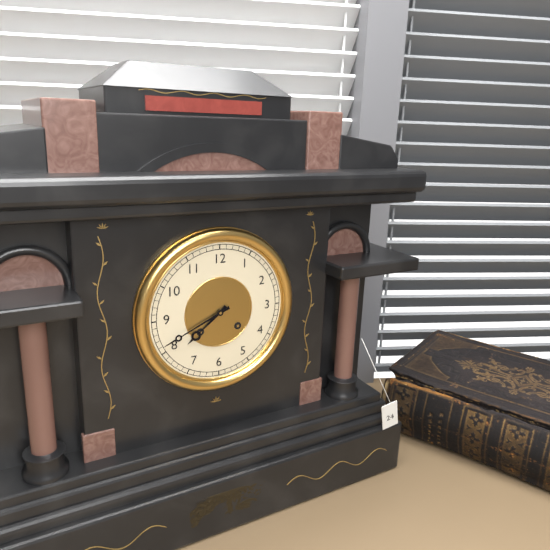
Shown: h=7 m=41
